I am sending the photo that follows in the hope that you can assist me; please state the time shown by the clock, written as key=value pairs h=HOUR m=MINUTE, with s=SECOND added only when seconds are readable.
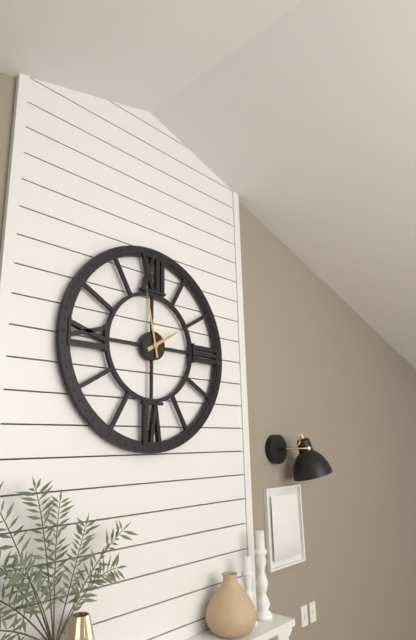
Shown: h=1 m=58
